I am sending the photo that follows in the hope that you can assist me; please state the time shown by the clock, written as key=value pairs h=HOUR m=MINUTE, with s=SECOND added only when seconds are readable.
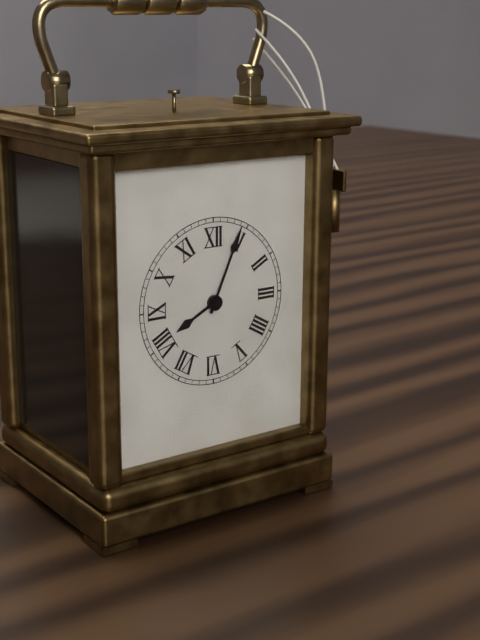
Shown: h=8 m=4
